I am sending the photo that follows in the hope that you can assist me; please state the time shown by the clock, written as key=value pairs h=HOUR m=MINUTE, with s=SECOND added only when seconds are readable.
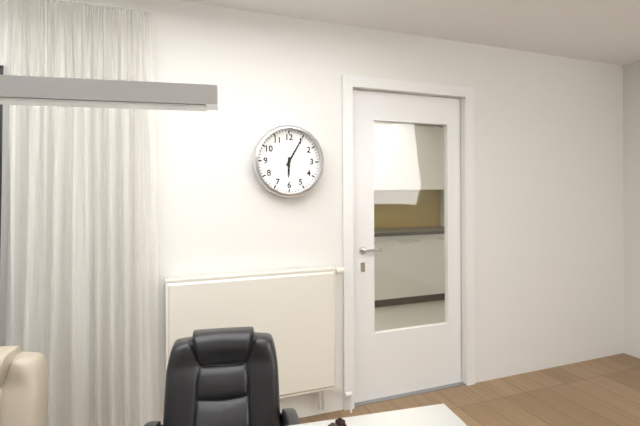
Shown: h=6 m=5
